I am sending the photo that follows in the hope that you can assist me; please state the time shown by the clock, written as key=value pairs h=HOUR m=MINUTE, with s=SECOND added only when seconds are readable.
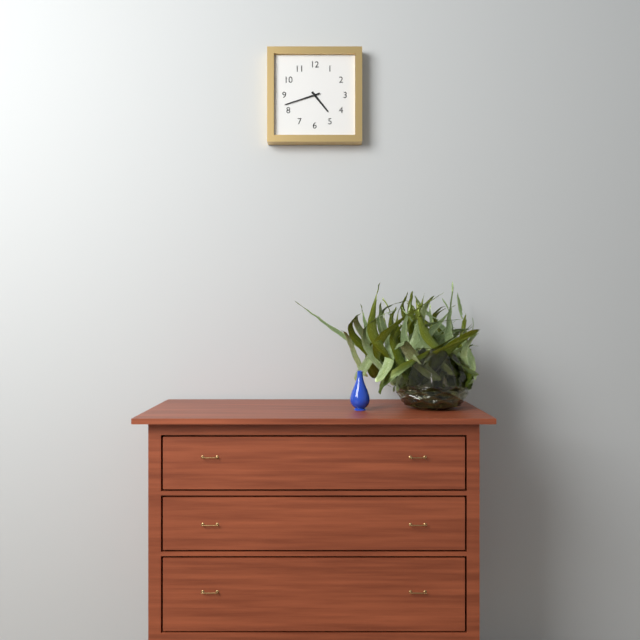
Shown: h=4 m=42
